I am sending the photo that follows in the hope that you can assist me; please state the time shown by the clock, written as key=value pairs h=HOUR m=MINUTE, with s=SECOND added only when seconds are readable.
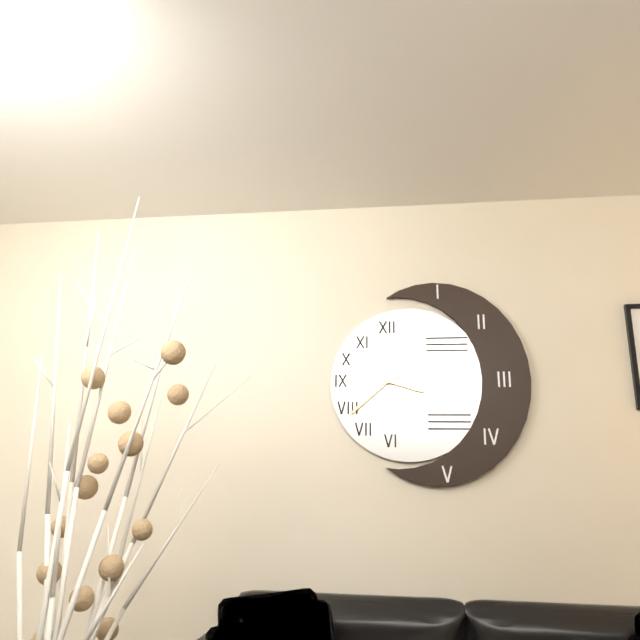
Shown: h=3 m=38 s=11
